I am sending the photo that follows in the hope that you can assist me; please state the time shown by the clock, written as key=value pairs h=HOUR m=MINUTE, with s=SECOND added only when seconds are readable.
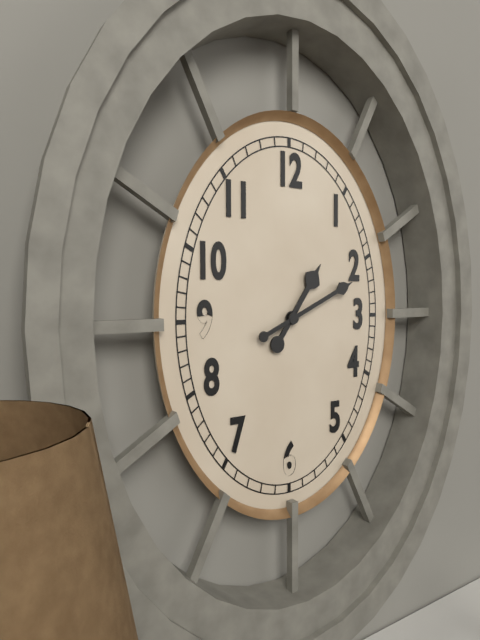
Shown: h=1 m=11
